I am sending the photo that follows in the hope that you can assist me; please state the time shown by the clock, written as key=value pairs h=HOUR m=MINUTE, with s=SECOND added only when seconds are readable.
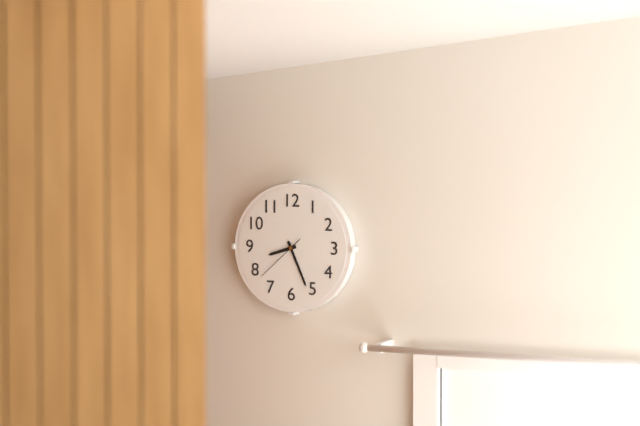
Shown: h=8 m=26 s=38
